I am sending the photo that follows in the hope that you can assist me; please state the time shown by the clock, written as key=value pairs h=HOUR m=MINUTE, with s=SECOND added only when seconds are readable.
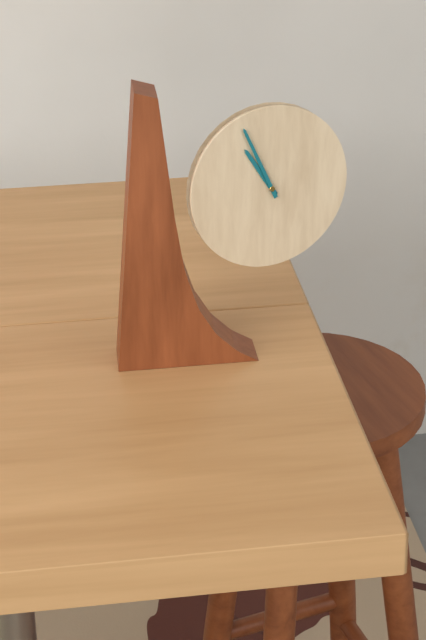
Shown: h=10 m=56
